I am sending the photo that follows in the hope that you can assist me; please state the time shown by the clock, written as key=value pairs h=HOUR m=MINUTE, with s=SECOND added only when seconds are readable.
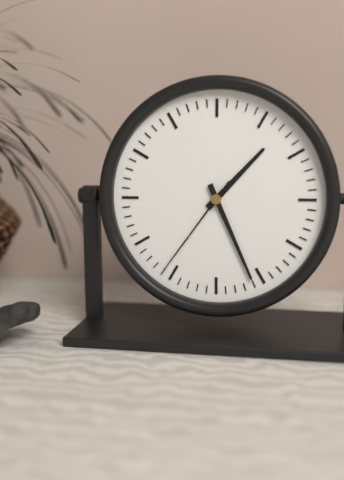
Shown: h=1 m=26 s=36
